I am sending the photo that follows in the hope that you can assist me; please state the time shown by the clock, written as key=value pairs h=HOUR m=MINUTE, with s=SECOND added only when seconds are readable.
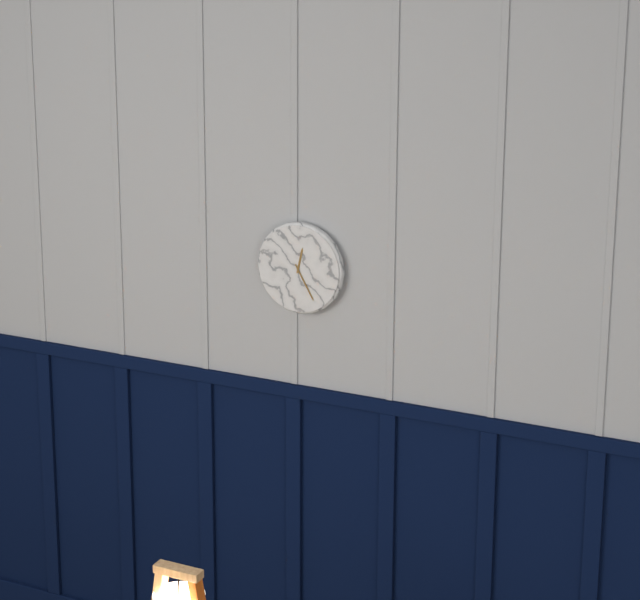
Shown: h=12 m=25
